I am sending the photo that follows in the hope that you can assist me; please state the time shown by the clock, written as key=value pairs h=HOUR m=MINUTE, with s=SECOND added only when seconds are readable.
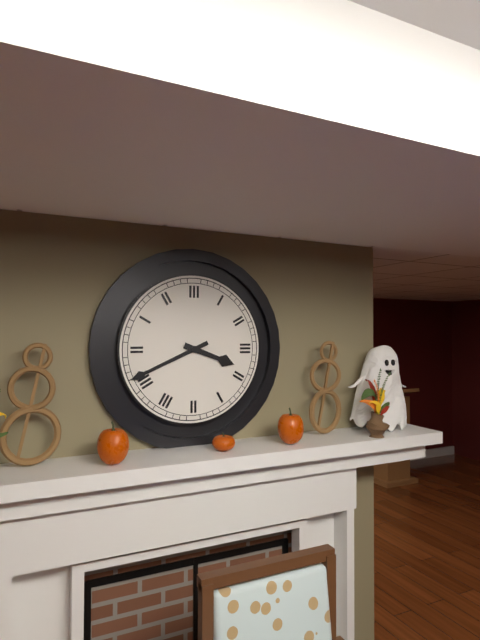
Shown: h=3 m=41
